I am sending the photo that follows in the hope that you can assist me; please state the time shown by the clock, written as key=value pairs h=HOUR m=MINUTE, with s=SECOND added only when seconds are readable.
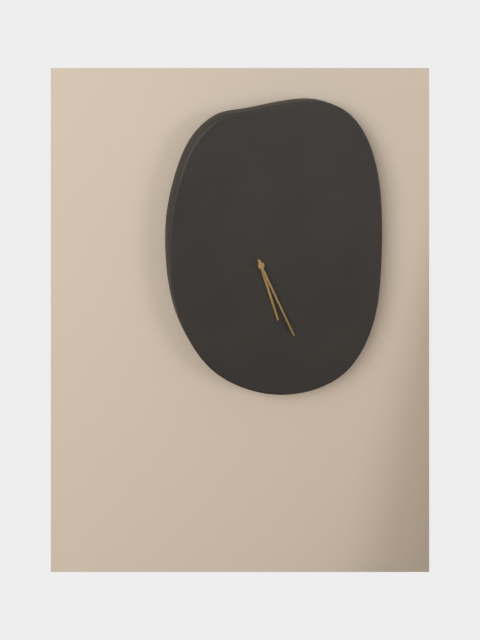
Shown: h=5 m=26
